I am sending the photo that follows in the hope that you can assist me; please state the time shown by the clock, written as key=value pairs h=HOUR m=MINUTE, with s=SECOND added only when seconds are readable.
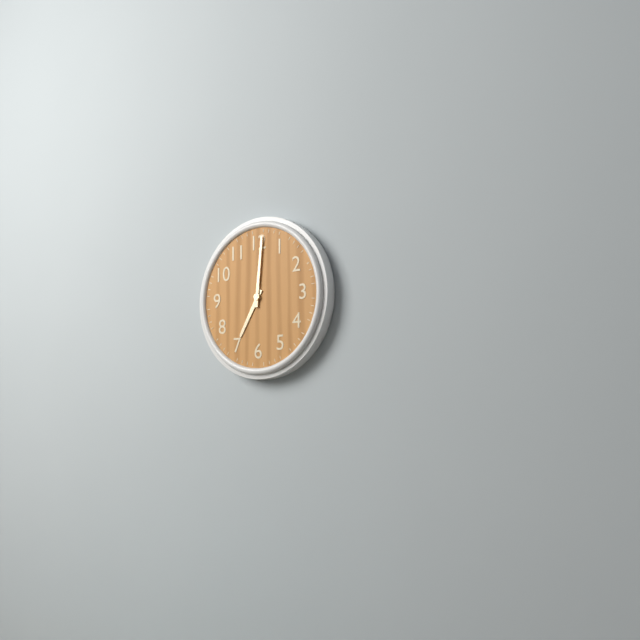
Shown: h=7 m=1
